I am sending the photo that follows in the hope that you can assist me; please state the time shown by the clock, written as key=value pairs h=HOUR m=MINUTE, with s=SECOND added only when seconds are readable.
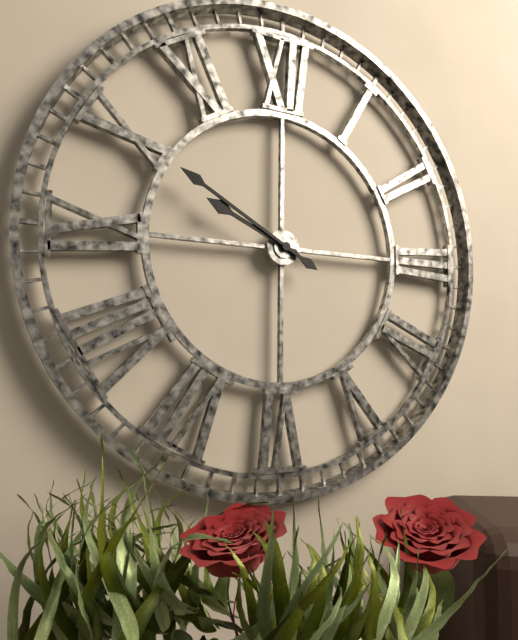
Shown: h=9 m=50
